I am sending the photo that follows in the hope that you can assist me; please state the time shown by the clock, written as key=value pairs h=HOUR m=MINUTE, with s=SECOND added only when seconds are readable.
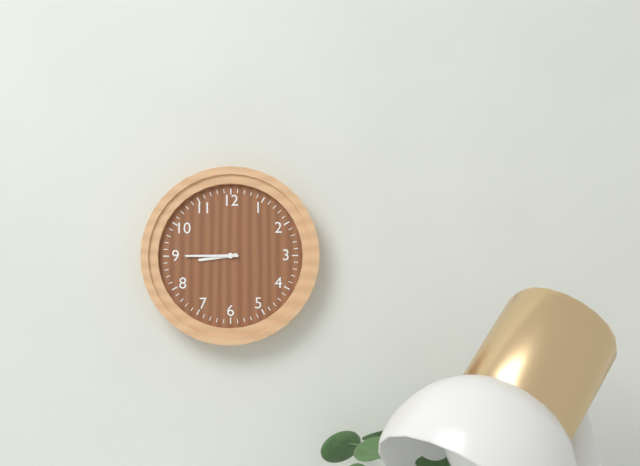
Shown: h=8 m=45
